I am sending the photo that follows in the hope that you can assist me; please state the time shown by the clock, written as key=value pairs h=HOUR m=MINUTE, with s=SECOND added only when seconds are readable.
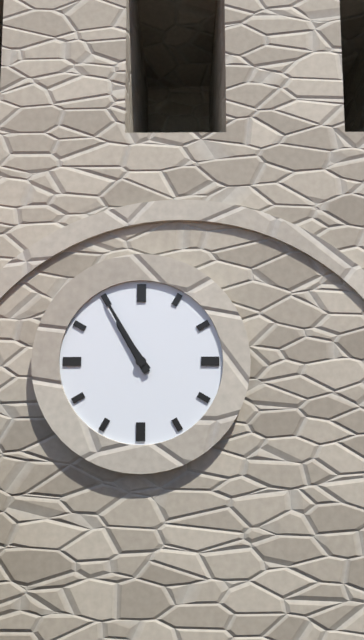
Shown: h=10 m=55
